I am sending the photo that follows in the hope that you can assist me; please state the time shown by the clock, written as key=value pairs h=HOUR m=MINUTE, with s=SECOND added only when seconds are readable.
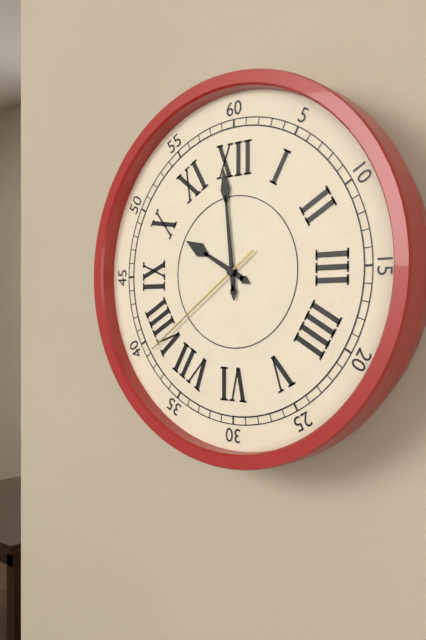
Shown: h=9 m=59 s=39
